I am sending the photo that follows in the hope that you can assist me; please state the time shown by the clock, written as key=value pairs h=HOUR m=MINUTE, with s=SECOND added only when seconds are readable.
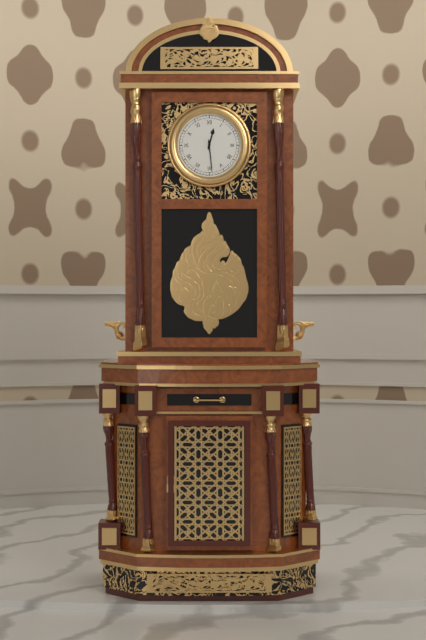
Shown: h=12 m=29
